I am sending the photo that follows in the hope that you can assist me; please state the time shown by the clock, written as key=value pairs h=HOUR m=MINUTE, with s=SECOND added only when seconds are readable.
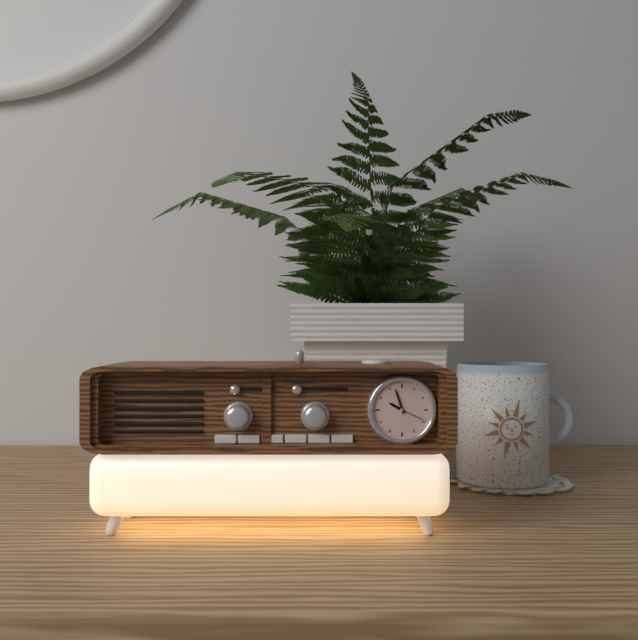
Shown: h=9 m=57
